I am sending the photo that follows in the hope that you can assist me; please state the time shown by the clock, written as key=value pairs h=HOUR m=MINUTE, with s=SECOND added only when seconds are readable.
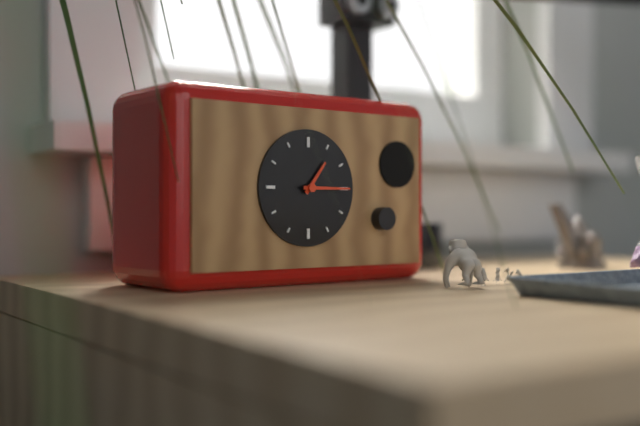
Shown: h=1 m=15
